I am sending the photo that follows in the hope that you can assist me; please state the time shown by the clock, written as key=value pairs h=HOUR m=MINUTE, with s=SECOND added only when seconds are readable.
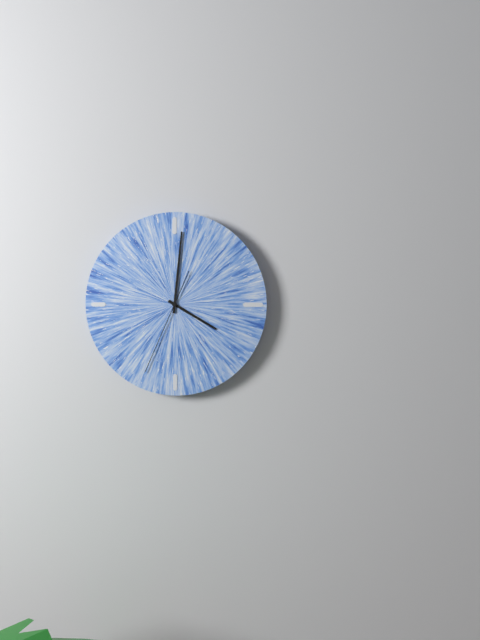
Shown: h=4 m=1 s=34
